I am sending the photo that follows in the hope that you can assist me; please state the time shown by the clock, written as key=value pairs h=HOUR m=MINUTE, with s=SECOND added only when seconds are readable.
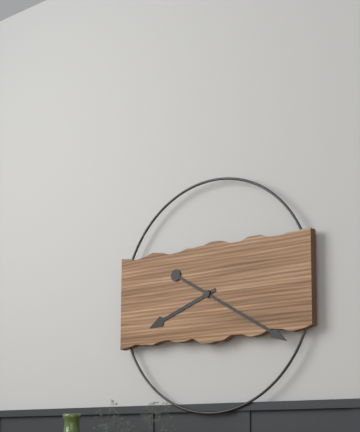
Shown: h=8 m=20
